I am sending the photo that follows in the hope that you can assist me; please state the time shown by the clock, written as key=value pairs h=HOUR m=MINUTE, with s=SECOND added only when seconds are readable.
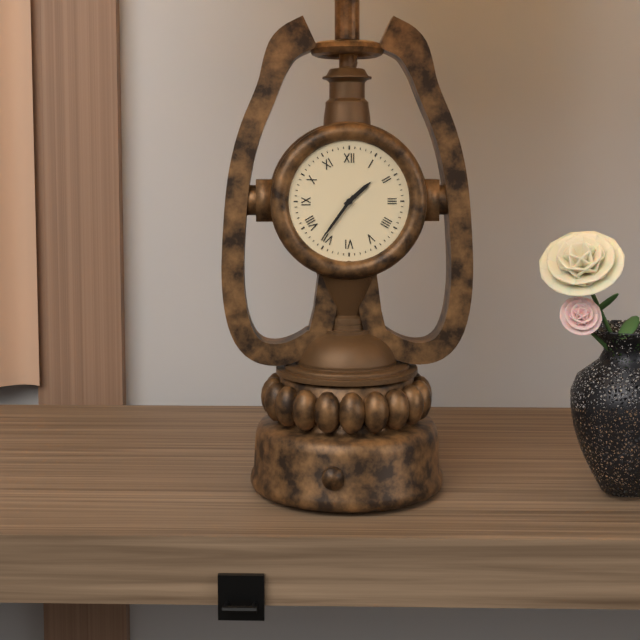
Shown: h=1 m=36
